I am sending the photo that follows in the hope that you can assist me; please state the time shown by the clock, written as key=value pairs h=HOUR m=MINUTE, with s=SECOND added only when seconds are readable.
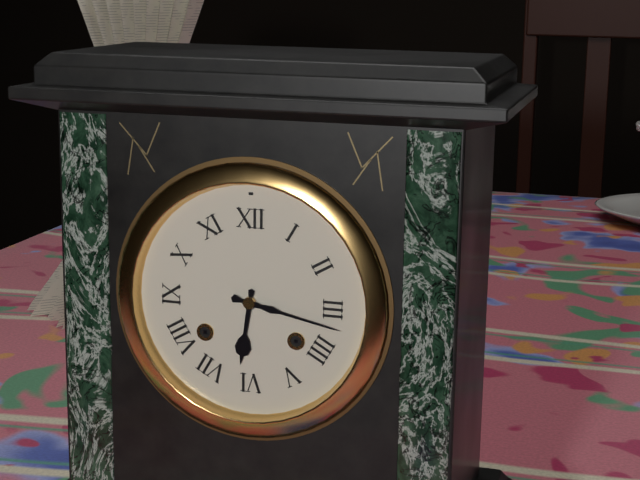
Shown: h=6 m=17
